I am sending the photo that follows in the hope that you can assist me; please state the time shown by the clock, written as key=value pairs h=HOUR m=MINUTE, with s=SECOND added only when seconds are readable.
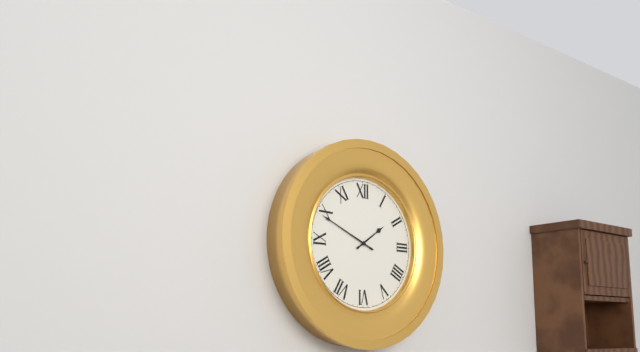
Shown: h=1 m=49
